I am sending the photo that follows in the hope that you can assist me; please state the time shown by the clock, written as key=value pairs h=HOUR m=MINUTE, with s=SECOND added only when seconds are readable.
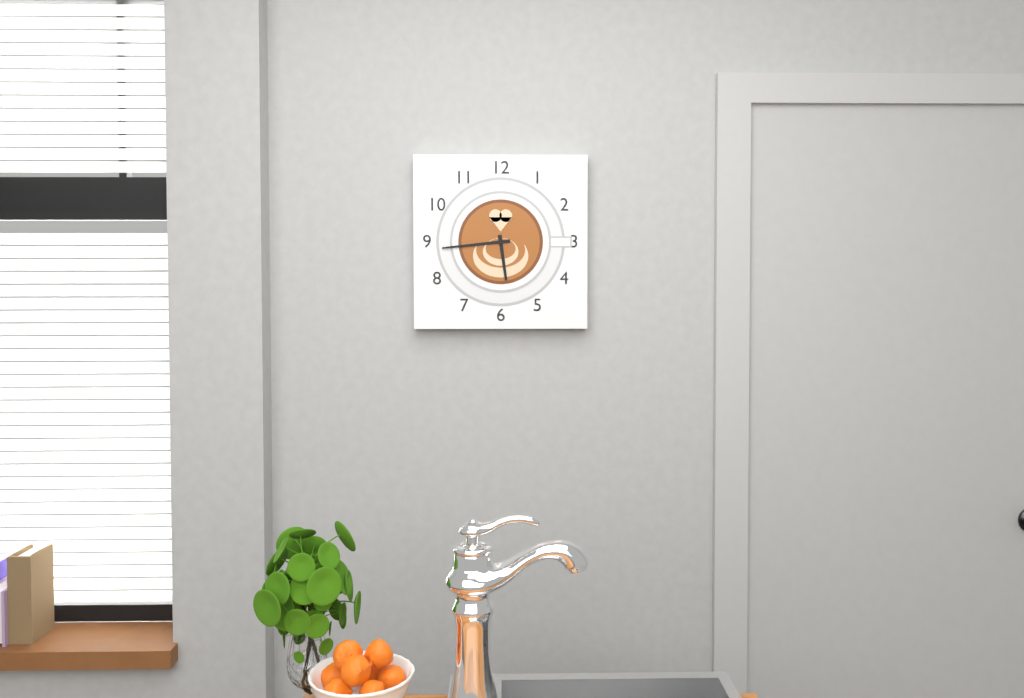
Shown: h=5 m=44
